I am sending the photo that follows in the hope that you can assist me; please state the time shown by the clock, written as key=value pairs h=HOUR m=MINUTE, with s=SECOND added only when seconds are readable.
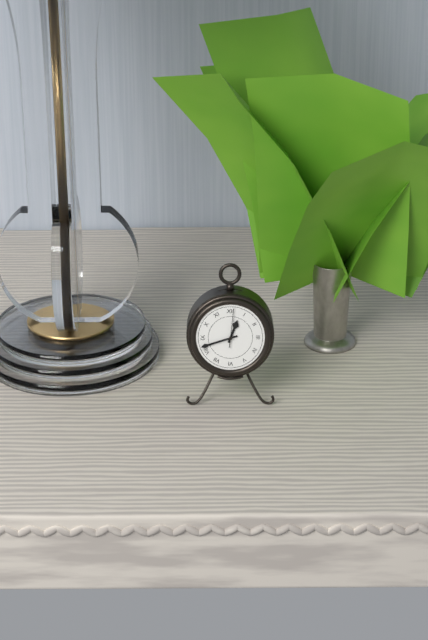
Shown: h=12 m=42
